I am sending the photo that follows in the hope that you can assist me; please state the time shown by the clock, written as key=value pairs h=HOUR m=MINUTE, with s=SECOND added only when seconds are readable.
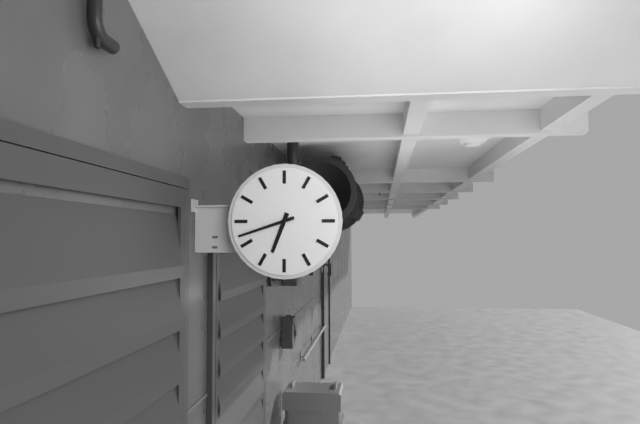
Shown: h=6 m=42
